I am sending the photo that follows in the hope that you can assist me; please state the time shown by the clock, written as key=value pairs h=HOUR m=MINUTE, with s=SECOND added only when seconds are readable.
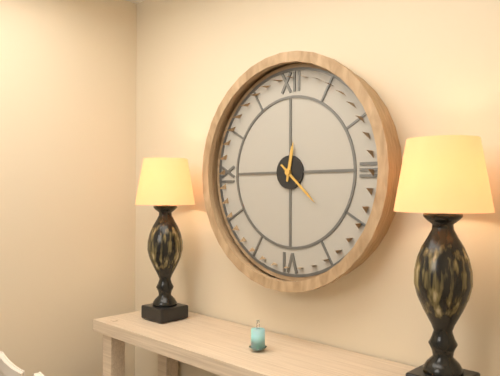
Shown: h=12 m=22
